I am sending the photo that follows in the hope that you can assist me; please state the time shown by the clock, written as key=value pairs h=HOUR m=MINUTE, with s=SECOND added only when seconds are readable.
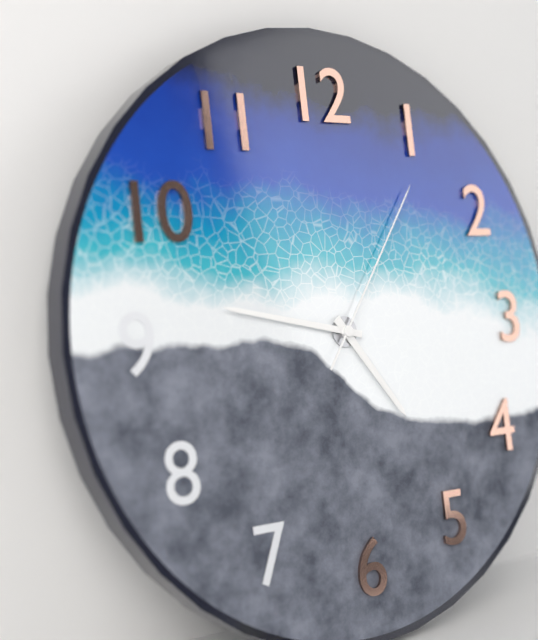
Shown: h=4 m=47 s=6
